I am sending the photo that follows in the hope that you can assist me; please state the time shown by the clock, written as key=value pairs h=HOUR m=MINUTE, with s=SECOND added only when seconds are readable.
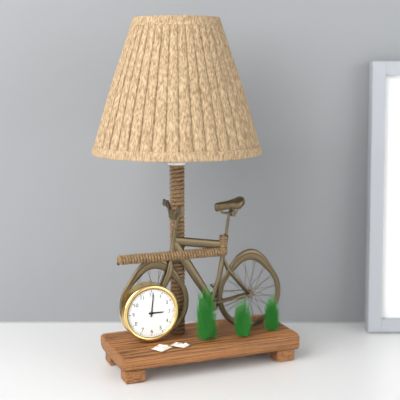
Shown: h=3 m=1
